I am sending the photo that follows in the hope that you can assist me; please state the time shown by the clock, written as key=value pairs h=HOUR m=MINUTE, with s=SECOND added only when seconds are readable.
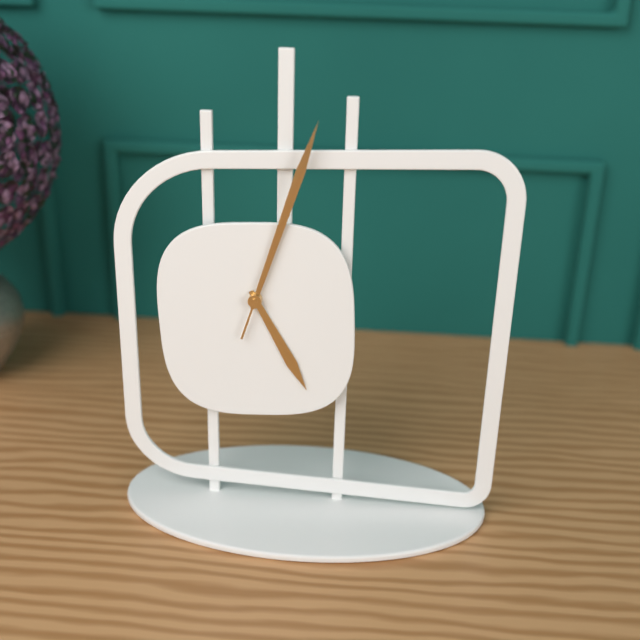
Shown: h=5 m=3 s=3
